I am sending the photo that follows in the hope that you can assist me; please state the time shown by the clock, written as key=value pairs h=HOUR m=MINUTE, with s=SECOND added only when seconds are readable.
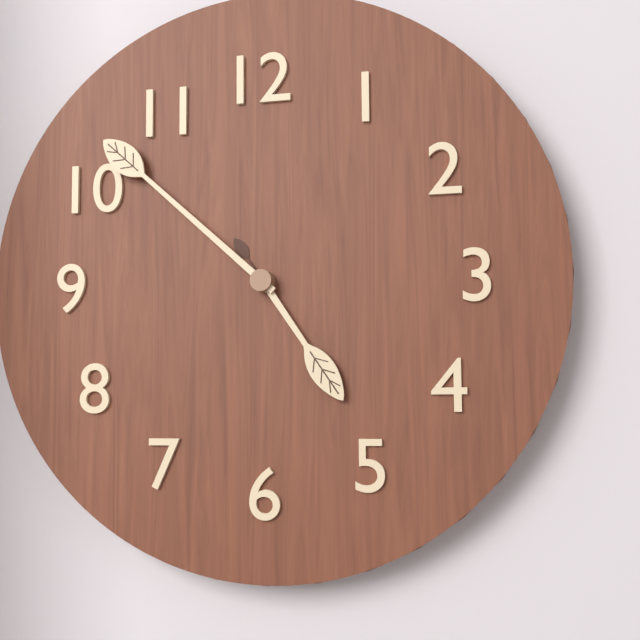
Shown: h=4 m=52
